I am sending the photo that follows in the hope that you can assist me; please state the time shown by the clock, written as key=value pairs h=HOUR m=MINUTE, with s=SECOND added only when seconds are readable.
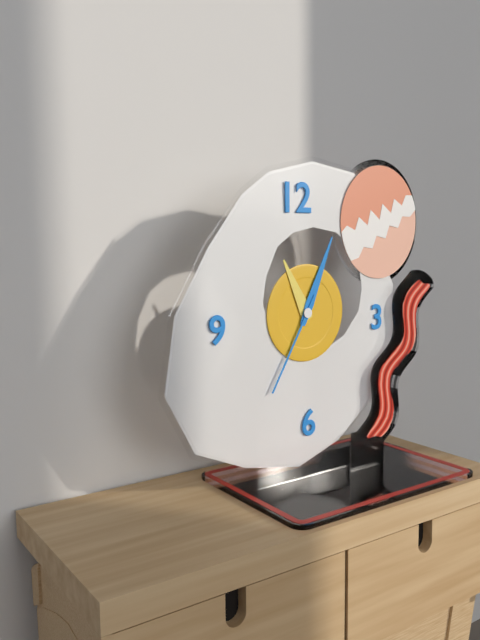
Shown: h=11 m=4 s=35
